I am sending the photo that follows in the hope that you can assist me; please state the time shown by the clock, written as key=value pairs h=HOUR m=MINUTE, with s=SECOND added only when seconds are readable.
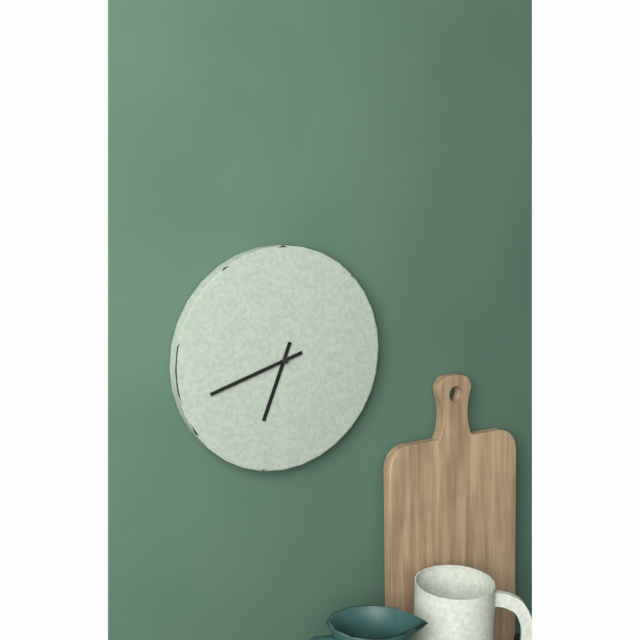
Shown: h=6 m=42
